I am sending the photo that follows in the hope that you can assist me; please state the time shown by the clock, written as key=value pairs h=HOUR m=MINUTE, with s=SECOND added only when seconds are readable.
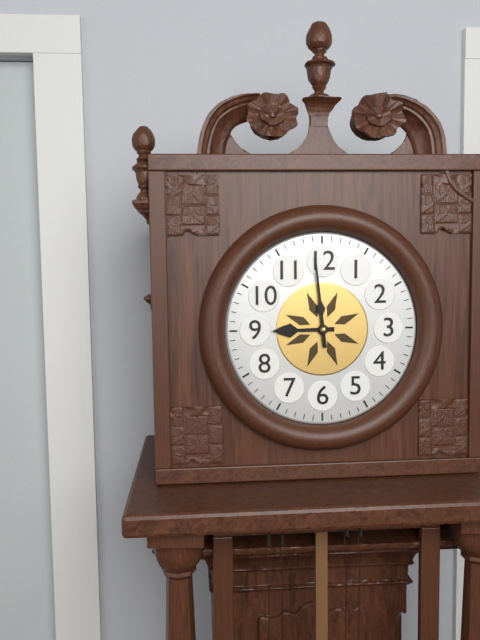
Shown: h=8 m=59
